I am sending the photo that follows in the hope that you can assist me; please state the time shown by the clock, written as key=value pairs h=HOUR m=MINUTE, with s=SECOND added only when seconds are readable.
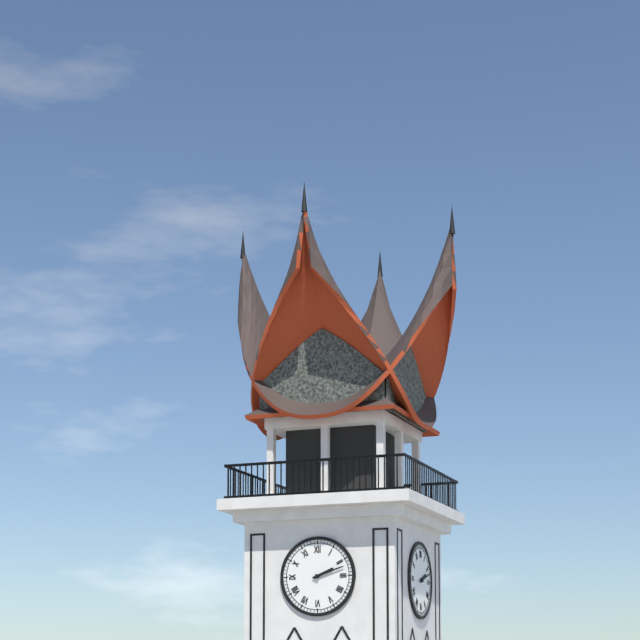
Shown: h=2 m=12
